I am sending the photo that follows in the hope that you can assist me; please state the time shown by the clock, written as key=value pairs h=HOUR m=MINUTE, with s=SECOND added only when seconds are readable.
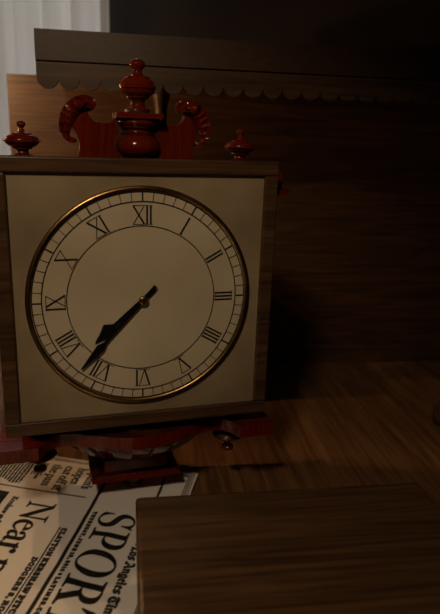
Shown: h=7 m=37
